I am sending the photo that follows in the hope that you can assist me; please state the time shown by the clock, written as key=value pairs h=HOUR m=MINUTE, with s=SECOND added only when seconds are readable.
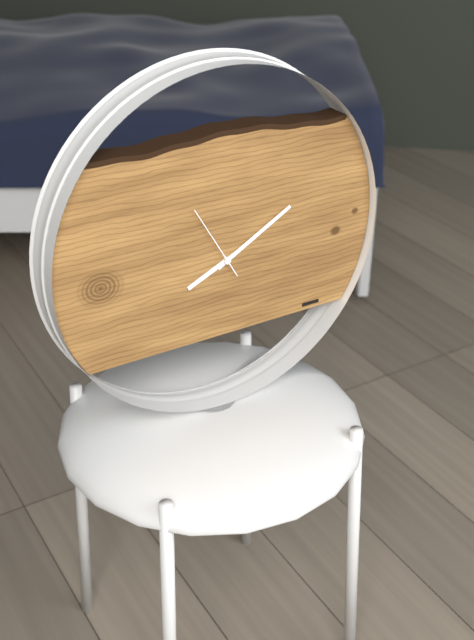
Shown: h=8 m=10 s=55
